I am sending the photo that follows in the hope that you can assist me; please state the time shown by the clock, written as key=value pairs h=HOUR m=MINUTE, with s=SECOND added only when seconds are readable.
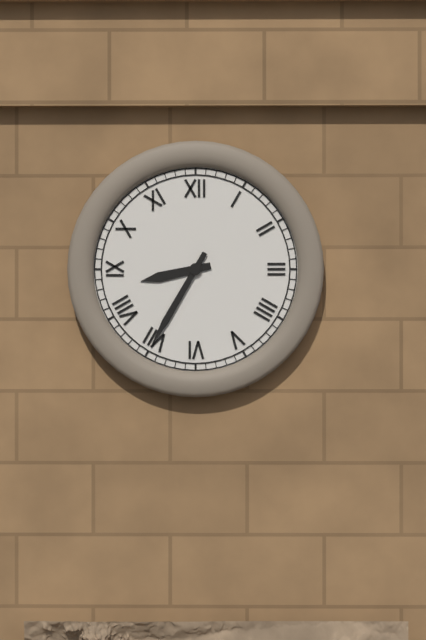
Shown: h=8 m=35
